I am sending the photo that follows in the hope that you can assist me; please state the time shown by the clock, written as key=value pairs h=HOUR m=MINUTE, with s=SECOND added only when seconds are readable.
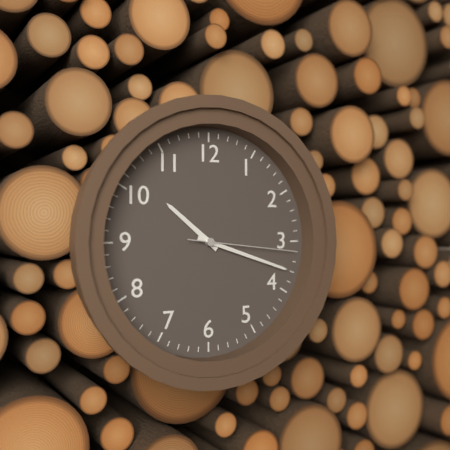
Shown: h=10 m=18 s=16
